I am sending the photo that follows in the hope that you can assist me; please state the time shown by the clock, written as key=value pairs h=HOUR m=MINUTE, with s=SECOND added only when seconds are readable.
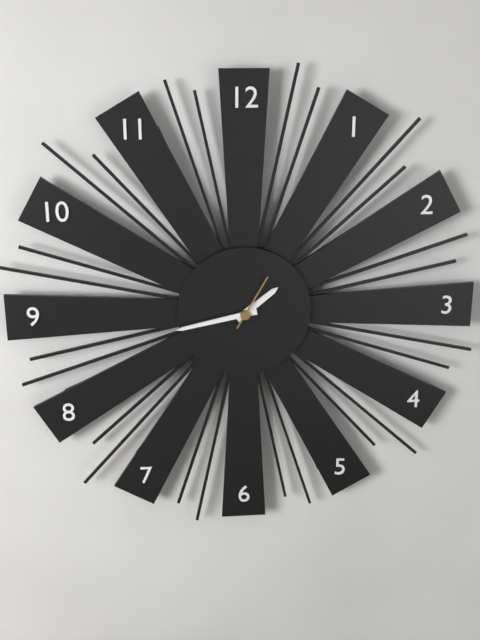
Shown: h=1 m=43
